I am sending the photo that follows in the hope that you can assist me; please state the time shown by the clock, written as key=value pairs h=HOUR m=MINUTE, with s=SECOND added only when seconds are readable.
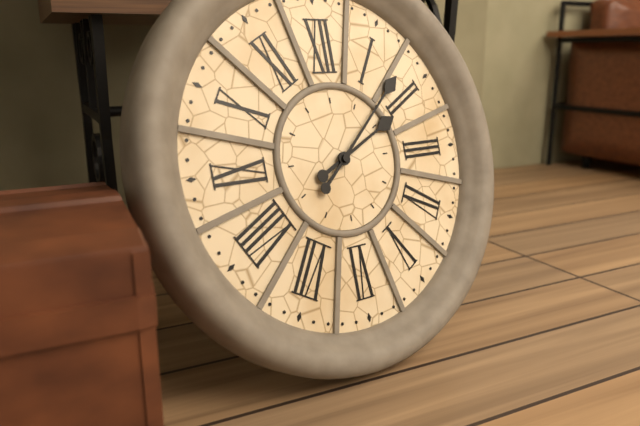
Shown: h=2 m=8
